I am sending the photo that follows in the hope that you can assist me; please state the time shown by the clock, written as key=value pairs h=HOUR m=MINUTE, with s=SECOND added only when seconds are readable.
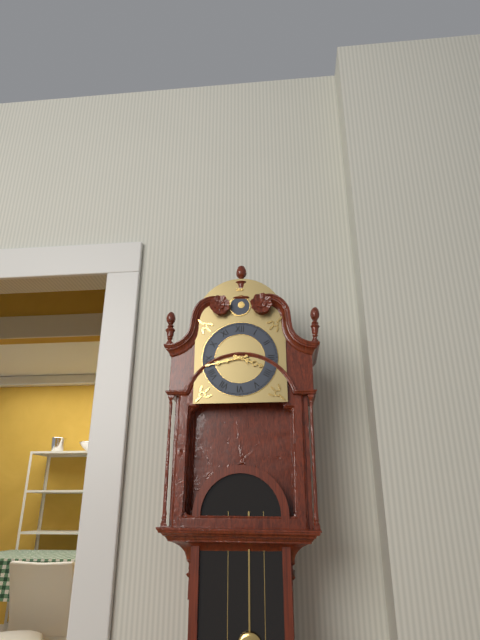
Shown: h=3 m=43
